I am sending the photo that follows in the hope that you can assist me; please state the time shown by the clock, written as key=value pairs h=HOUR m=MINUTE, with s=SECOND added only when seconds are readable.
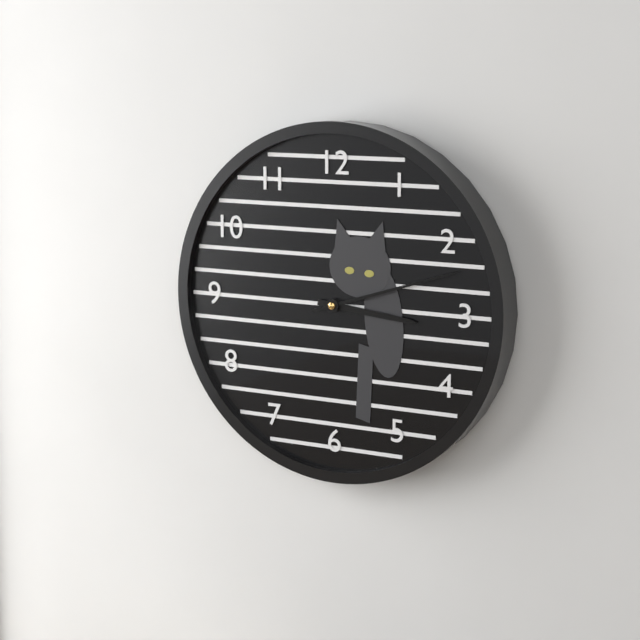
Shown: h=3 m=12
